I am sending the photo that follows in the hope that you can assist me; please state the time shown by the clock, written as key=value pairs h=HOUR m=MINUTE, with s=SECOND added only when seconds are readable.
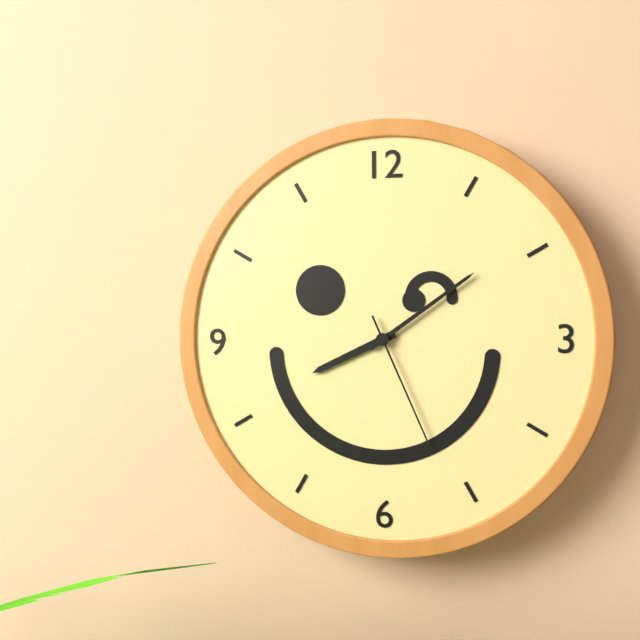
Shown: h=8 m=9 s=26
